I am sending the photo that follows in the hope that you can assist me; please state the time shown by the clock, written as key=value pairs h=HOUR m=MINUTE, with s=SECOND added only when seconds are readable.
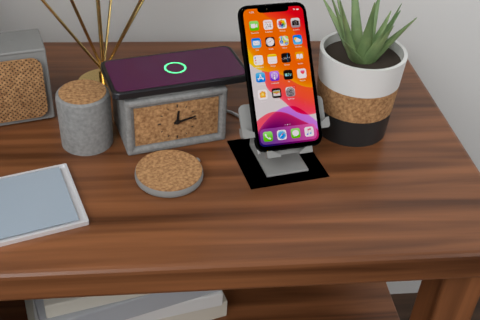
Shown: h=12 m=13
